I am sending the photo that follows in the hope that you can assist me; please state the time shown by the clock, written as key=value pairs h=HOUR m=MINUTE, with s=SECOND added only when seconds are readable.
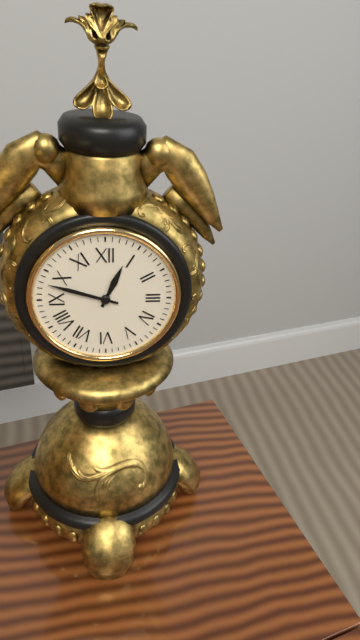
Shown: h=12 m=48
